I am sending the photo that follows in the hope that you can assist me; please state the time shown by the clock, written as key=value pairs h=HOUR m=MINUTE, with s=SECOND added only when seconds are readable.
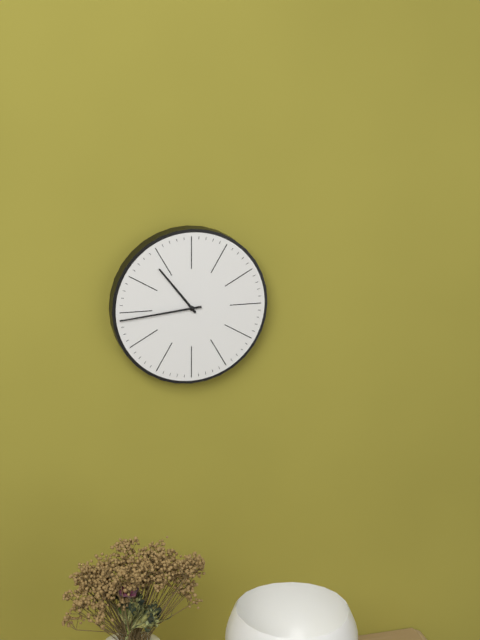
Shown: h=10 m=44
